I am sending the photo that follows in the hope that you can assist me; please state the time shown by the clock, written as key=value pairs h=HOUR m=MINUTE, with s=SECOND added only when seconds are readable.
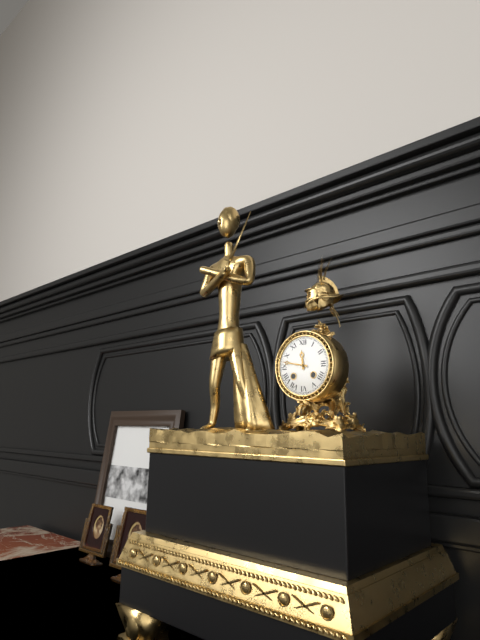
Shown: h=11 m=47
